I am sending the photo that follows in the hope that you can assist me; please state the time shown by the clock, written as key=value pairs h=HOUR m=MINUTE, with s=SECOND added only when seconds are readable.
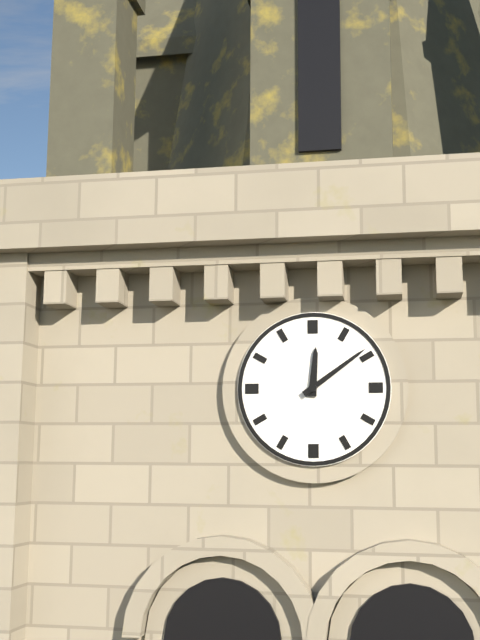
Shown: h=12 m=9
